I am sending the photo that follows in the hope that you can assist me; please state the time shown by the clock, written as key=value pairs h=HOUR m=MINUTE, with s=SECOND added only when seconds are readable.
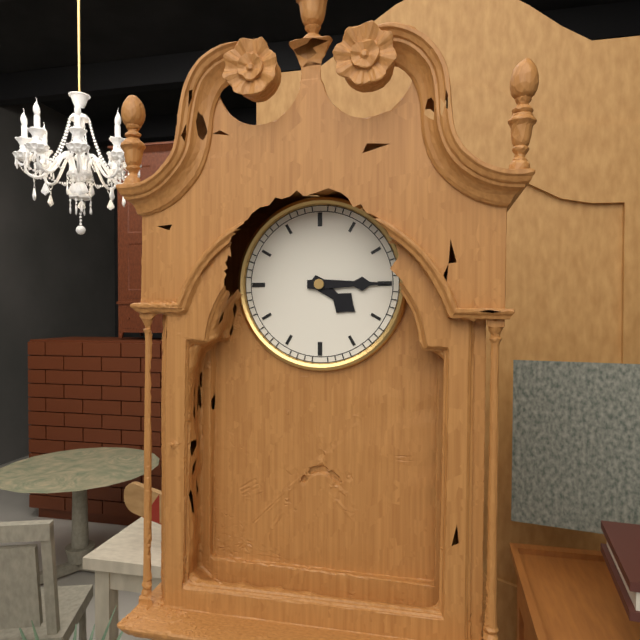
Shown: h=4 m=15
